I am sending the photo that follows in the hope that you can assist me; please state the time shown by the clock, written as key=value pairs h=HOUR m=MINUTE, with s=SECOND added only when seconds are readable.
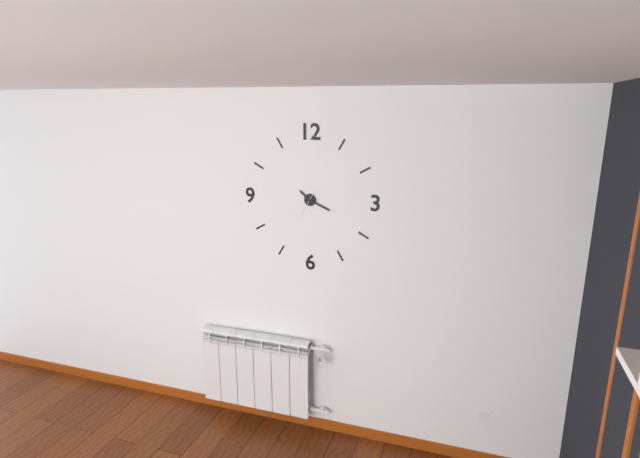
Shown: h=10 m=19
